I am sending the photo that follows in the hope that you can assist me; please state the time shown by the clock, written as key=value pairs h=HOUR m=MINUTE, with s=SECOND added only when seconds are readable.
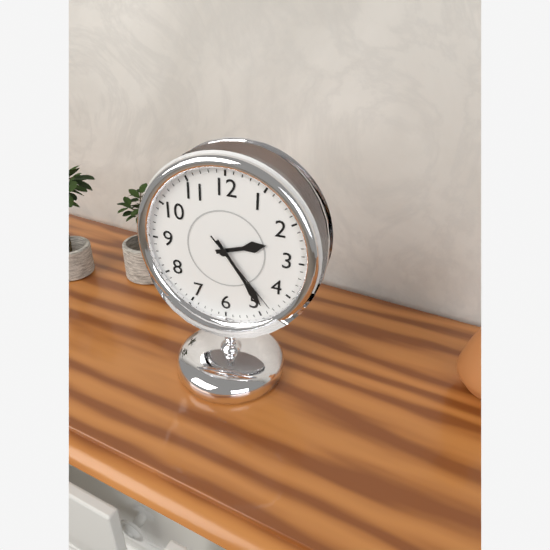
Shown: h=2 m=24 s=23
